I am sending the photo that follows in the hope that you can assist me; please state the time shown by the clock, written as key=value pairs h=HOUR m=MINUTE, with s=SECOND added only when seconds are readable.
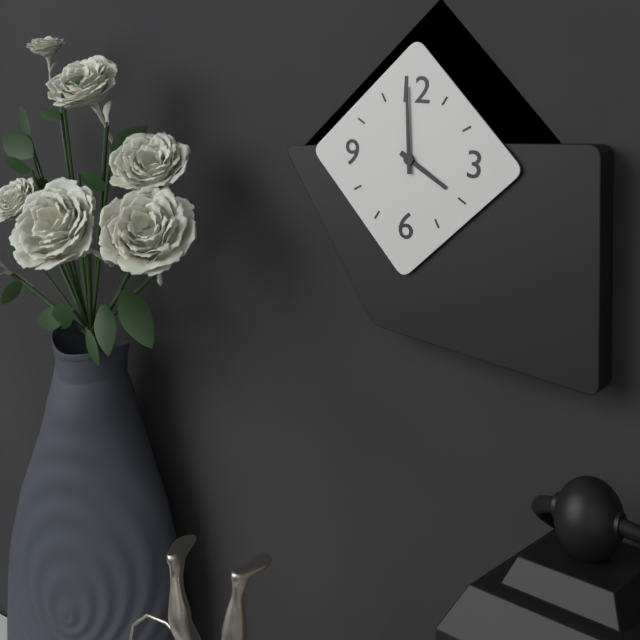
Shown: h=3 m=59
